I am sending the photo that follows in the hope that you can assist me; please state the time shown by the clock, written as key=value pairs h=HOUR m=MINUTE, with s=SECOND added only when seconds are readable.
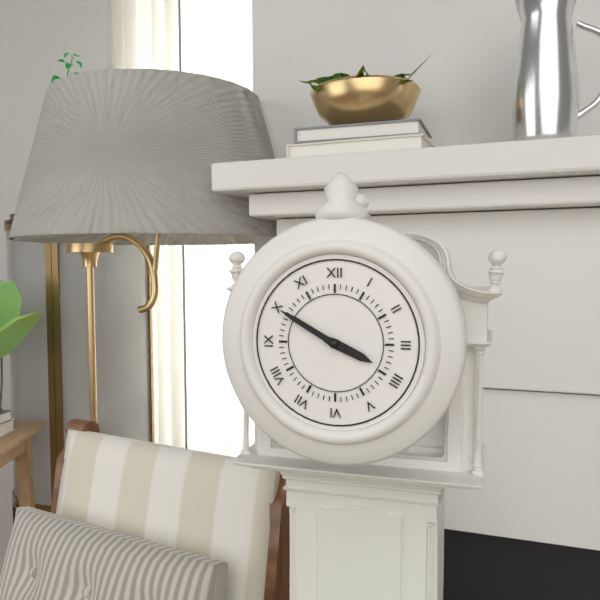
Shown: h=3 m=50
